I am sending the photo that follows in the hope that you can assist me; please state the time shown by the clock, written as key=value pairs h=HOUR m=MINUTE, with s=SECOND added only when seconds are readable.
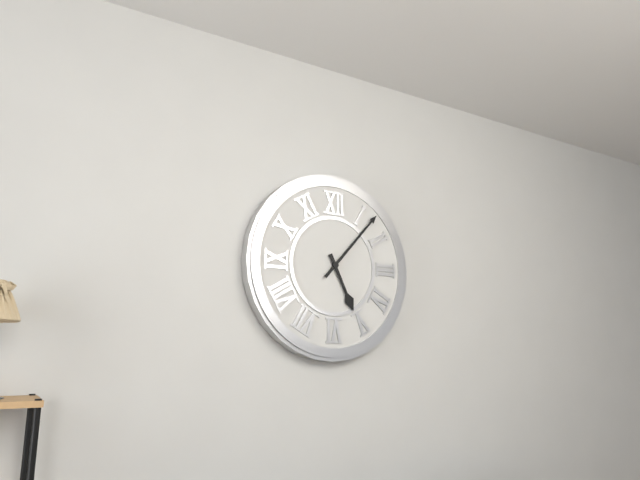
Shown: h=5 m=7
